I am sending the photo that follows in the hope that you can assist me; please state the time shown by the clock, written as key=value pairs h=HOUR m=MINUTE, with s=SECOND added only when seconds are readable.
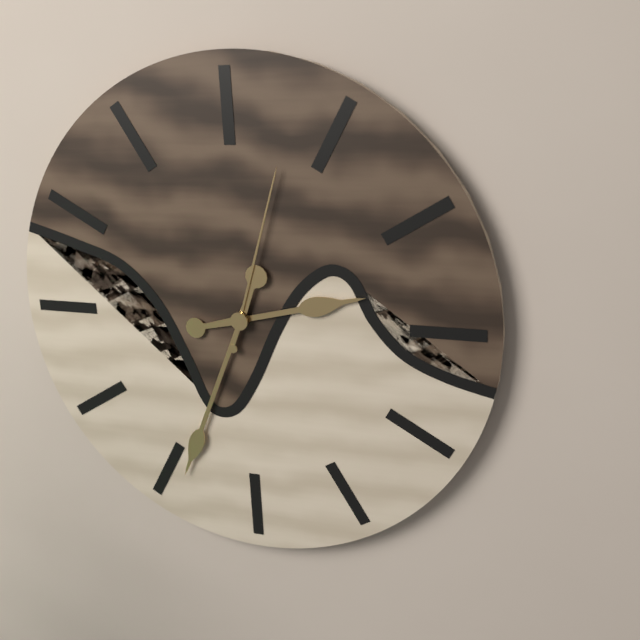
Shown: h=2 m=34 s=3
